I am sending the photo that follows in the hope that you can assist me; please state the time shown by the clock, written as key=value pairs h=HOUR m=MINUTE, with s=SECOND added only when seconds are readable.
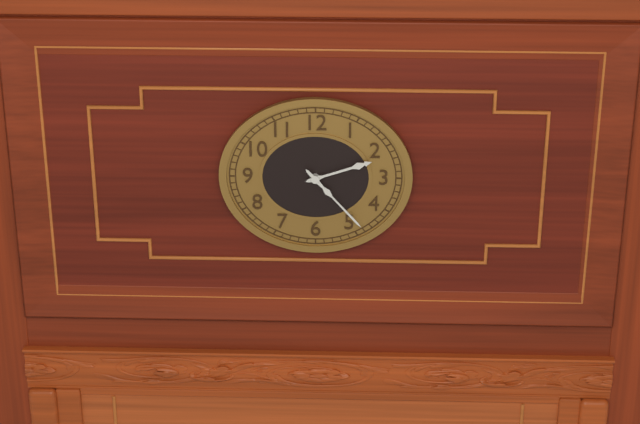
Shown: h=2 m=23
